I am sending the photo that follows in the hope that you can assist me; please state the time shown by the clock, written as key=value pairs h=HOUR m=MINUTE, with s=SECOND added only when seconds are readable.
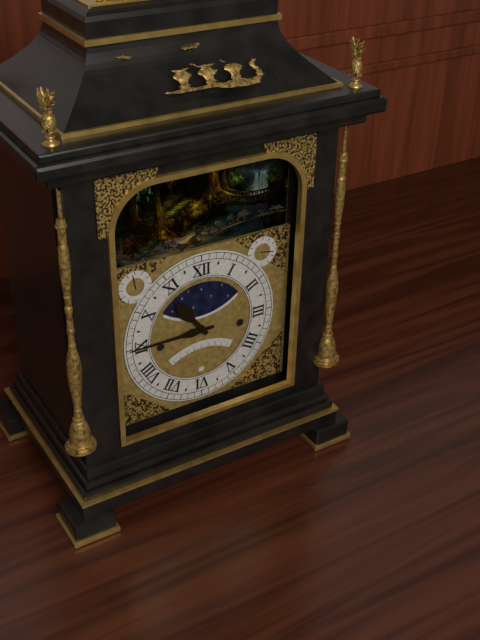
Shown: h=10 m=45
